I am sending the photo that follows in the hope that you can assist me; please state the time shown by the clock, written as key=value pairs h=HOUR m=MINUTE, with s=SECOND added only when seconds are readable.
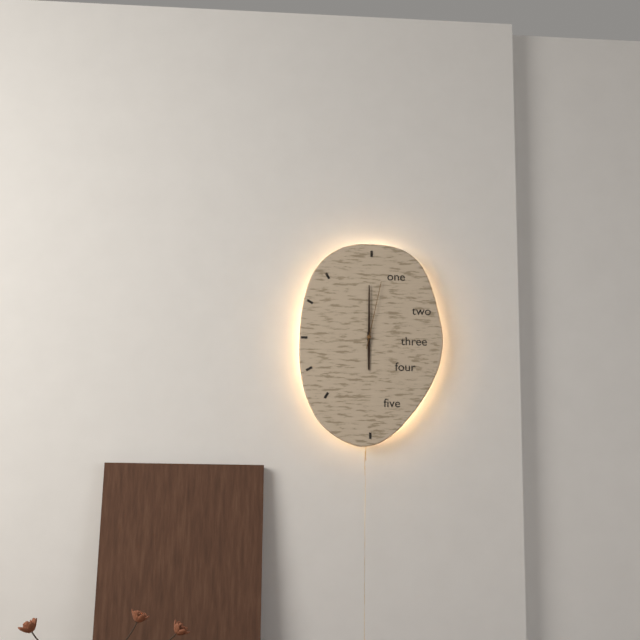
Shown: h=6 m=0 s=2
